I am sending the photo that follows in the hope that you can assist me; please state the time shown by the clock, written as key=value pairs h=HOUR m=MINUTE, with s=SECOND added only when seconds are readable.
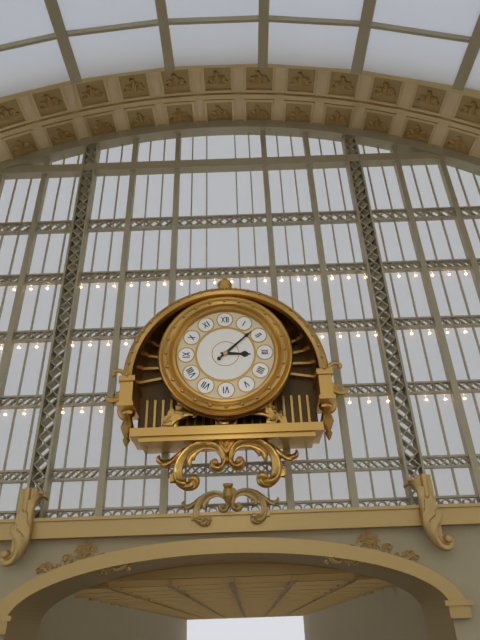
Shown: h=3 m=8
